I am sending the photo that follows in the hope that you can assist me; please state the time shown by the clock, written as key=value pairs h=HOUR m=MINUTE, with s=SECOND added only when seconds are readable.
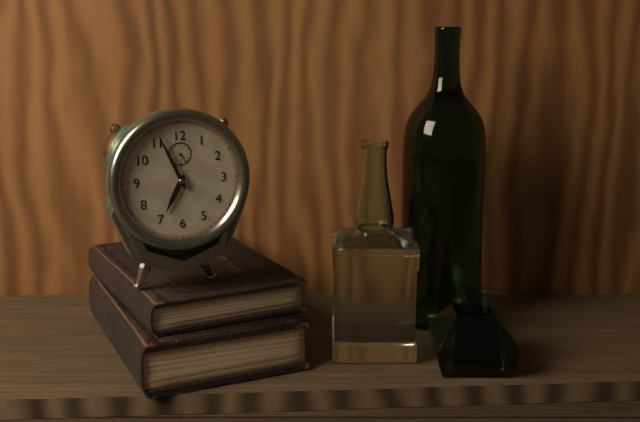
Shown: h=6 m=56
